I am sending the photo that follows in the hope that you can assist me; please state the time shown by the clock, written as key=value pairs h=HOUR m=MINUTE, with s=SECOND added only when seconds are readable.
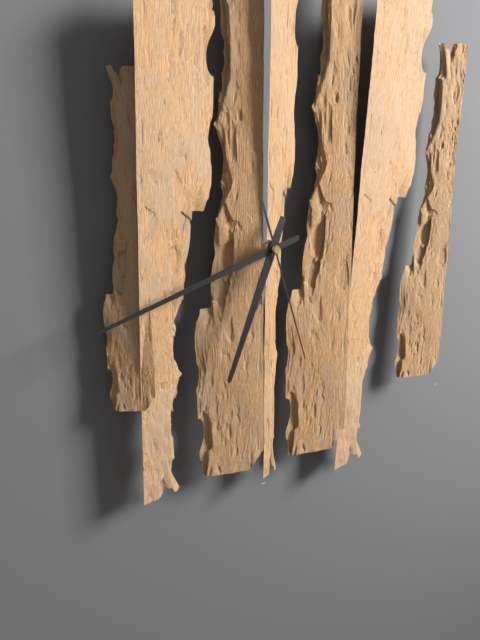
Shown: h=6 m=42 s=27
